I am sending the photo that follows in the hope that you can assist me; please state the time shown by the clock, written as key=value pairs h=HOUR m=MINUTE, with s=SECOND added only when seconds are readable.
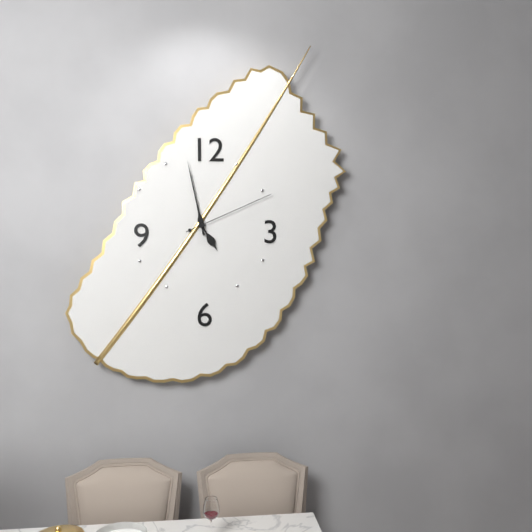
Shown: h=4 m=58 s=11
